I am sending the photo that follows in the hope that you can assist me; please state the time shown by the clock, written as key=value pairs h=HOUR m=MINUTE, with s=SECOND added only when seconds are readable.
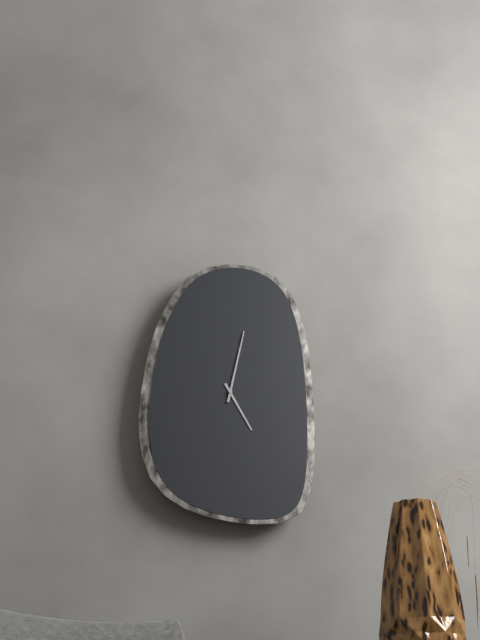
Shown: h=5 m=2
